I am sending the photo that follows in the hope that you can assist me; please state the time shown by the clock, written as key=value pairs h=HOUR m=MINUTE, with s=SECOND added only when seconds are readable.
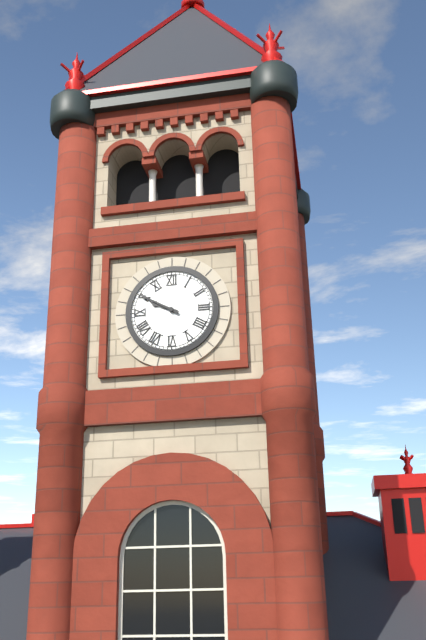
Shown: h=9 m=50
